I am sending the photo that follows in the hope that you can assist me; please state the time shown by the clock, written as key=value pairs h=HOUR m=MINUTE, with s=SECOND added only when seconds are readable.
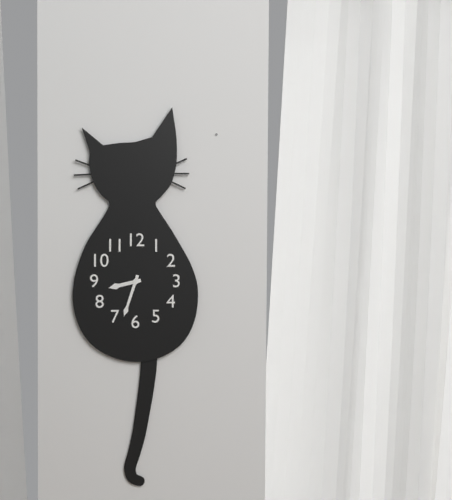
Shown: h=8 m=33
